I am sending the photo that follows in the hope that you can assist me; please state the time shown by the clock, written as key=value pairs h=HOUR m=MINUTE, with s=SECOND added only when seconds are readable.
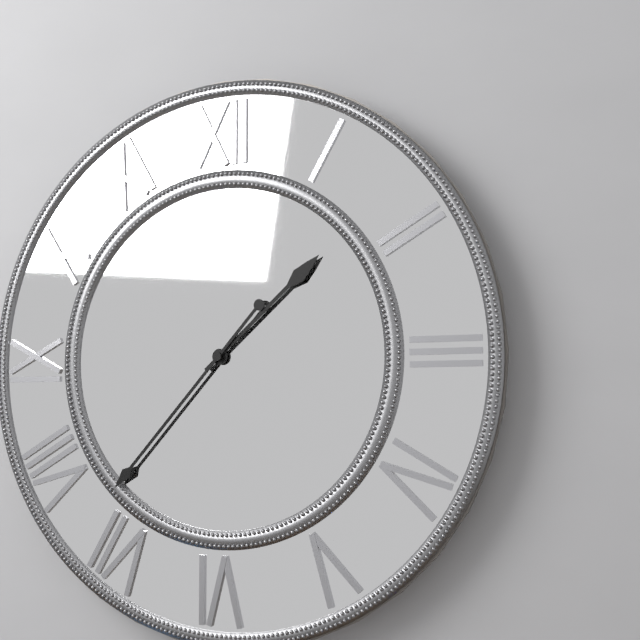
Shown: h=1 m=37
